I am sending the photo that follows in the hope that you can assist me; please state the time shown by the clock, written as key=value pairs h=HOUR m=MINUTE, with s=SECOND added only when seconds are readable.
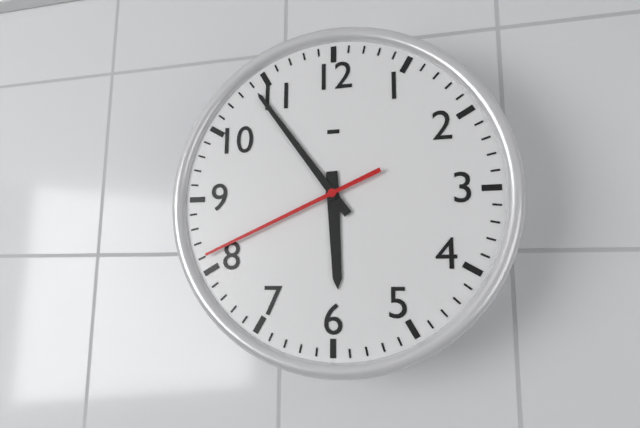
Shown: h=5 m=54 s=41
